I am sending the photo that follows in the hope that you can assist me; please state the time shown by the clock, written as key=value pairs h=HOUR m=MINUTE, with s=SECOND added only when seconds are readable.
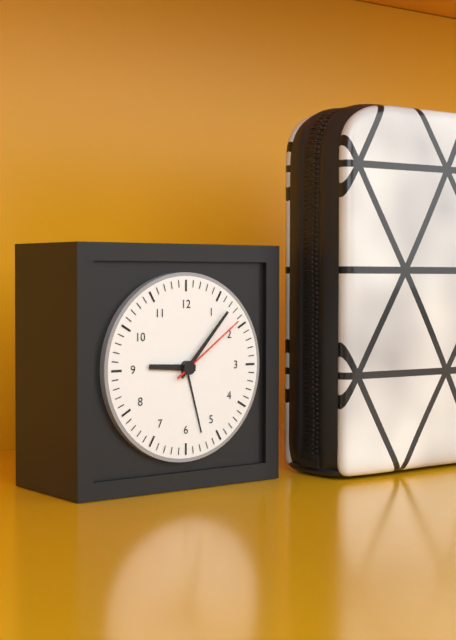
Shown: h=9 m=7 s=9
